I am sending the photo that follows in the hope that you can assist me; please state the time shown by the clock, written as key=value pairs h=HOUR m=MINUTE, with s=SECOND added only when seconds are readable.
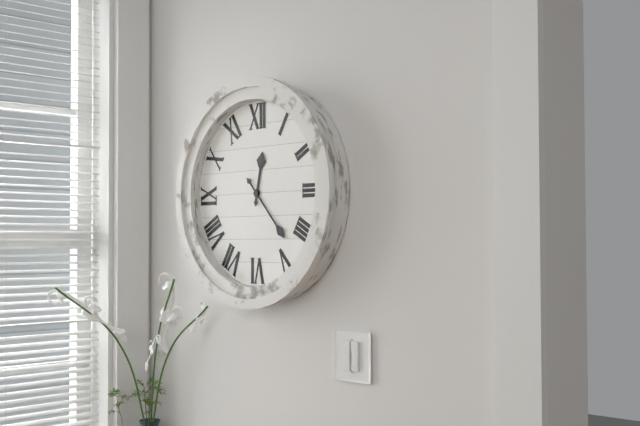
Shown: h=12 m=23
